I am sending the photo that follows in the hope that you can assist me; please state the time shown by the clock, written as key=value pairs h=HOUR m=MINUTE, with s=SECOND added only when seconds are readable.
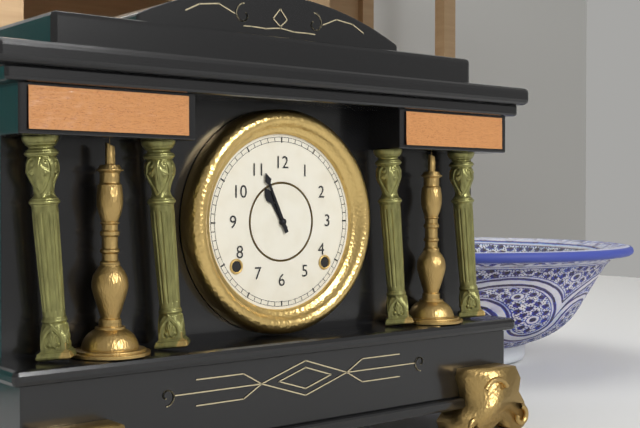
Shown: h=10 m=56
